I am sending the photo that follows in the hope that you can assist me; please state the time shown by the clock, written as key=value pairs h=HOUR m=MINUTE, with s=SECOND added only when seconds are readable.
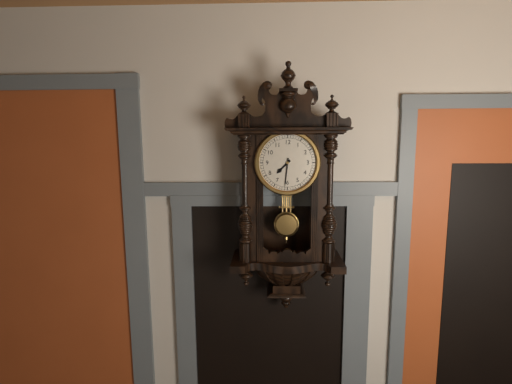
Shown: h=7 m=31
